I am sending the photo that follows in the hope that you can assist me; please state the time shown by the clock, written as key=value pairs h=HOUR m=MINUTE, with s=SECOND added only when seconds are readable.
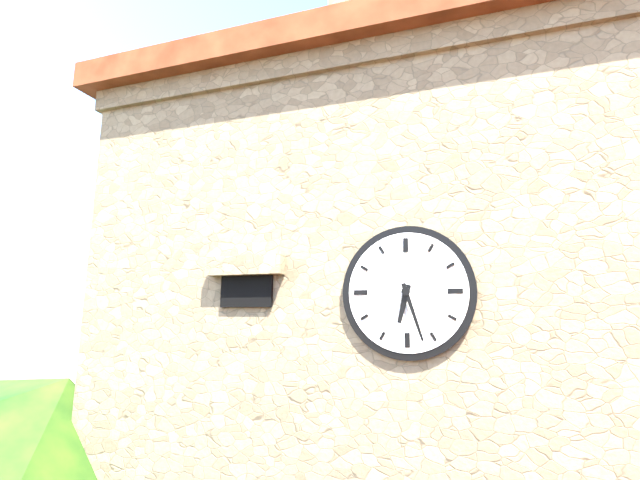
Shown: h=6 m=27
